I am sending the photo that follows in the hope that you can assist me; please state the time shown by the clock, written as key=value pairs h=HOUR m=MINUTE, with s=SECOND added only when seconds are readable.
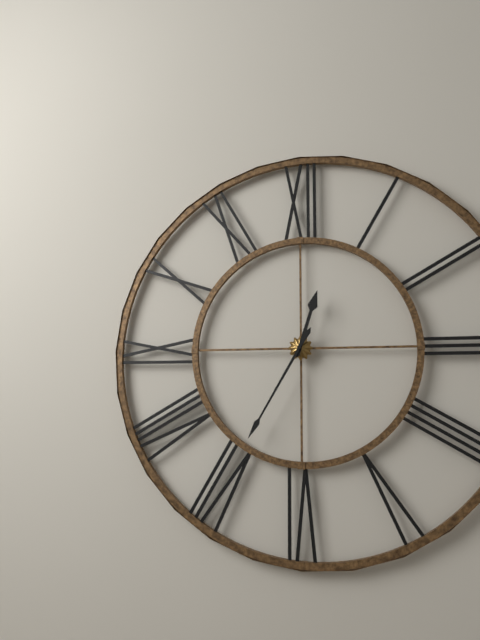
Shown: h=12 m=35
